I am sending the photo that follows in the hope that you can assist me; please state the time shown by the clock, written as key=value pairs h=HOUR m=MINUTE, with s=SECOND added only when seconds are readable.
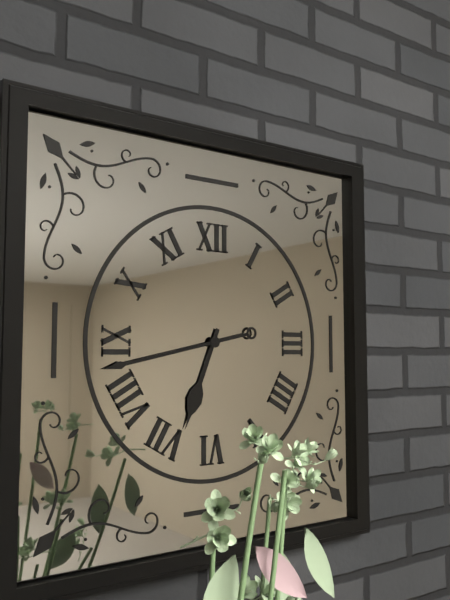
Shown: h=6 m=43
